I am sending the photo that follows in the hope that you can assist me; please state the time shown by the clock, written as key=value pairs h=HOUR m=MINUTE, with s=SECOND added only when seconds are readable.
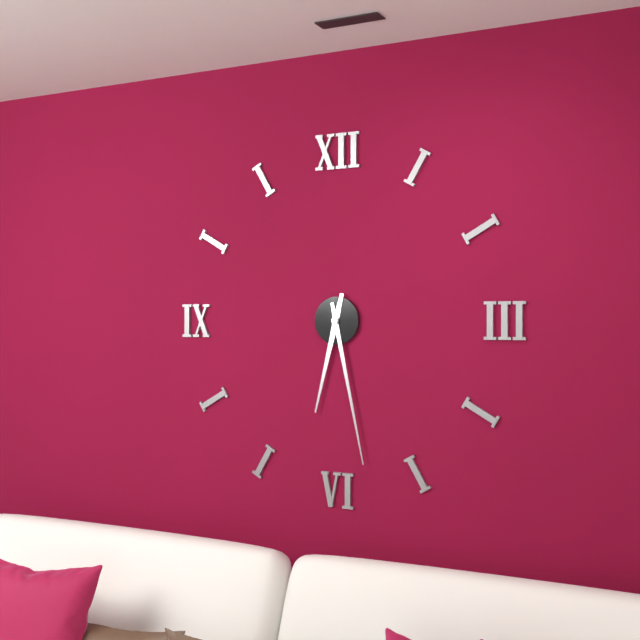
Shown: h=6 m=28
